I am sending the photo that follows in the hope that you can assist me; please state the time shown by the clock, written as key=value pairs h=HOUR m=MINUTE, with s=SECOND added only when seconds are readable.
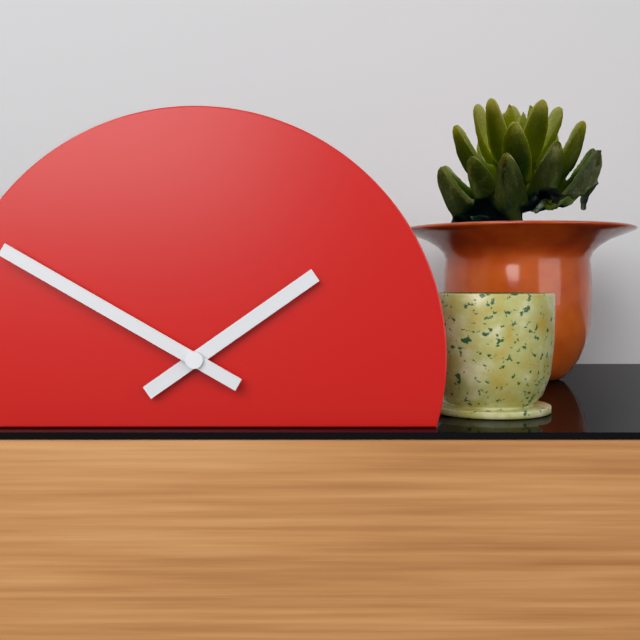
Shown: h=1 m=50
